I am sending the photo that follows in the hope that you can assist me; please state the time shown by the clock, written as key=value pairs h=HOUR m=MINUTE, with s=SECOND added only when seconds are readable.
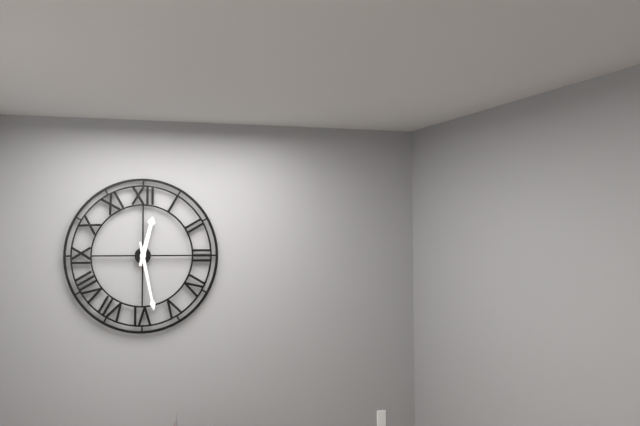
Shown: h=12 m=28
